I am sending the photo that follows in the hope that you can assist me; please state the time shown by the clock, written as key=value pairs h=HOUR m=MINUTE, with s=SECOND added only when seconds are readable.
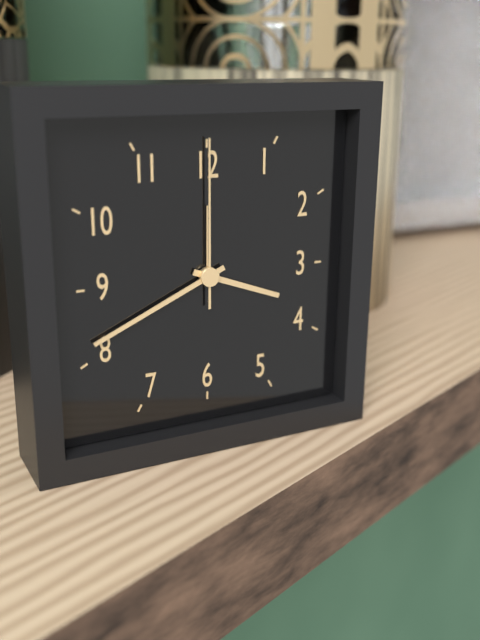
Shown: h=3 m=41 s=0
